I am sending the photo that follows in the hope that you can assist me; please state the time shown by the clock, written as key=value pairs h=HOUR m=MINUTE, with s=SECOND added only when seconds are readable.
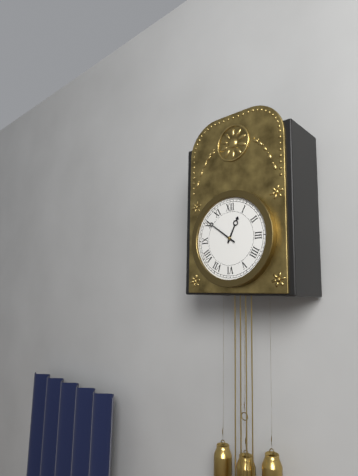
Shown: h=12 m=51
